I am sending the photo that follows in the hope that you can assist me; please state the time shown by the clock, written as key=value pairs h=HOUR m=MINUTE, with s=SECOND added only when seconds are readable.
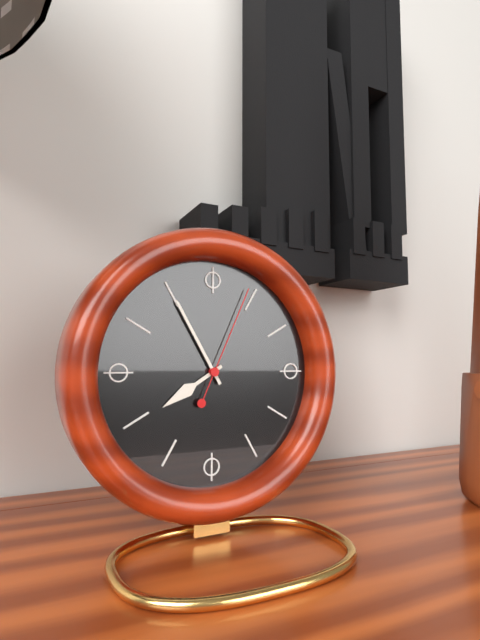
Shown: h=7 m=55 s=4
